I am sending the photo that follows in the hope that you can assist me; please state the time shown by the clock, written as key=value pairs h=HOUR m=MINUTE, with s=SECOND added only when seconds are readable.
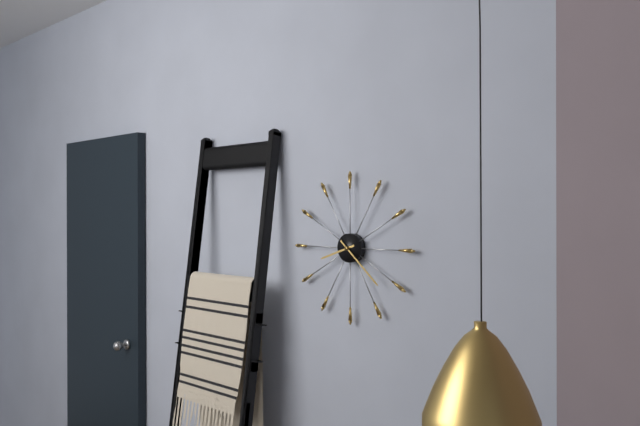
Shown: h=8 m=22
